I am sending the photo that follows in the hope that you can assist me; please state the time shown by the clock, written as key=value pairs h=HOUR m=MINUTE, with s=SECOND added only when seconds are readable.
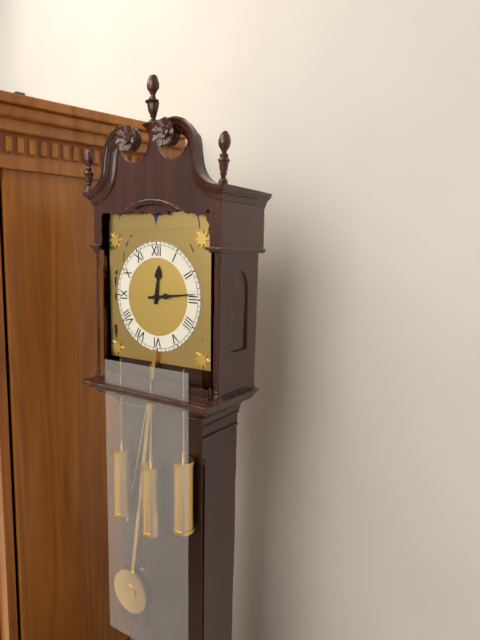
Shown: h=12 m=14
